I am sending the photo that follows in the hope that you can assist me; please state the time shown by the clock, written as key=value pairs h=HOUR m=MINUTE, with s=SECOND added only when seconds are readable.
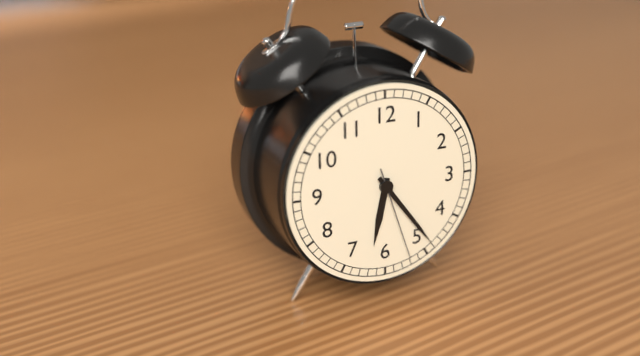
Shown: h=6 m=24 s=27
